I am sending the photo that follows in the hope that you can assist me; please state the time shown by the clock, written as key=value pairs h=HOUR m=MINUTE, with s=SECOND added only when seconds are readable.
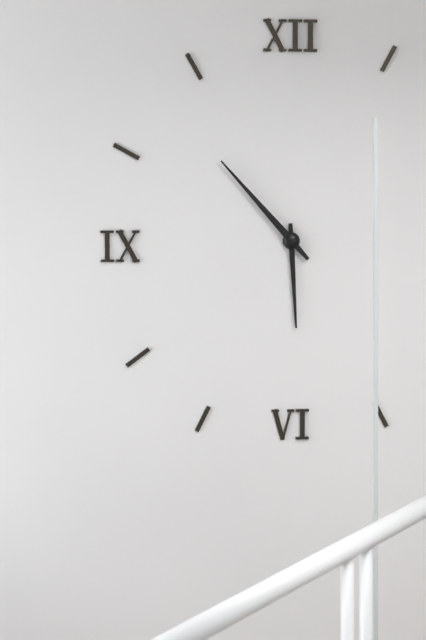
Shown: h=5 m=53
